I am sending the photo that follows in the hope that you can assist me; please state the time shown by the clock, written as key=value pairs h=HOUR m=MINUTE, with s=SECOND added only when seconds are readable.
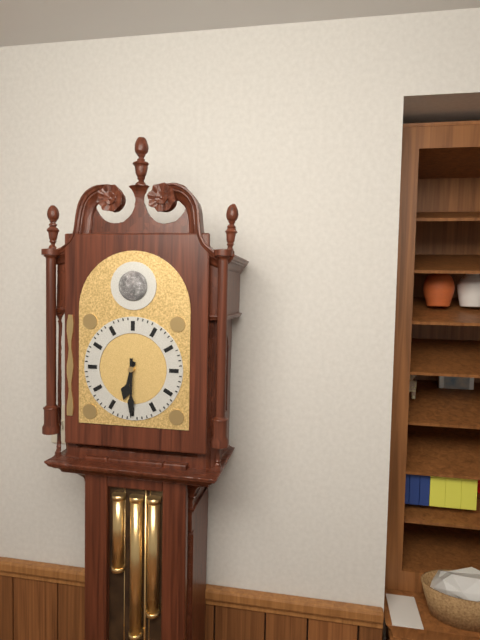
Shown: h=6 m=30
